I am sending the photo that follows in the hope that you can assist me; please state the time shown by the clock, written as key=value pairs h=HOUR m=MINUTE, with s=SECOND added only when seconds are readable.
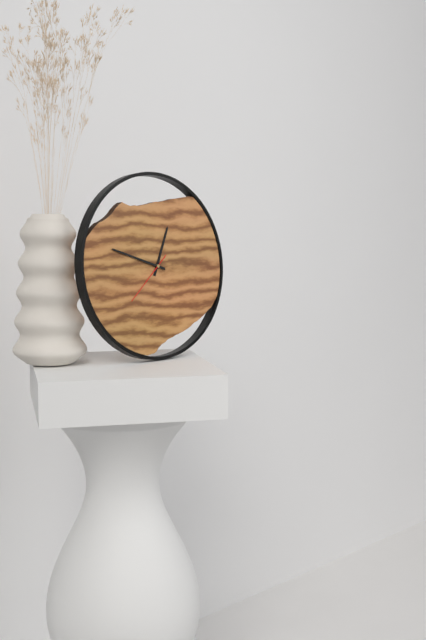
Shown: h=12 m=48 s=38
